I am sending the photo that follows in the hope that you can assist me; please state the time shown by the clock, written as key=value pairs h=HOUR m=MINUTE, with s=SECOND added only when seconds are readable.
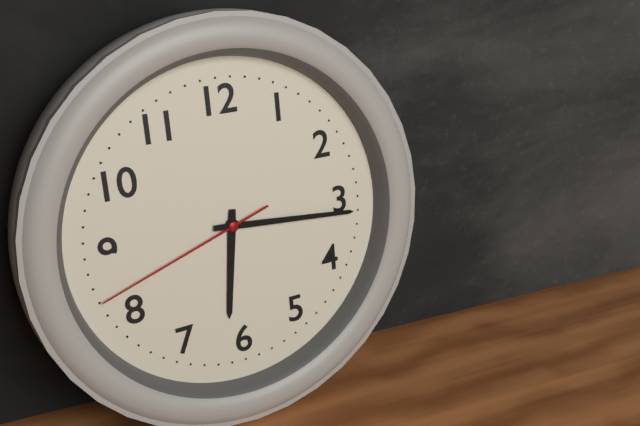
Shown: h=6 m=16 s=42
